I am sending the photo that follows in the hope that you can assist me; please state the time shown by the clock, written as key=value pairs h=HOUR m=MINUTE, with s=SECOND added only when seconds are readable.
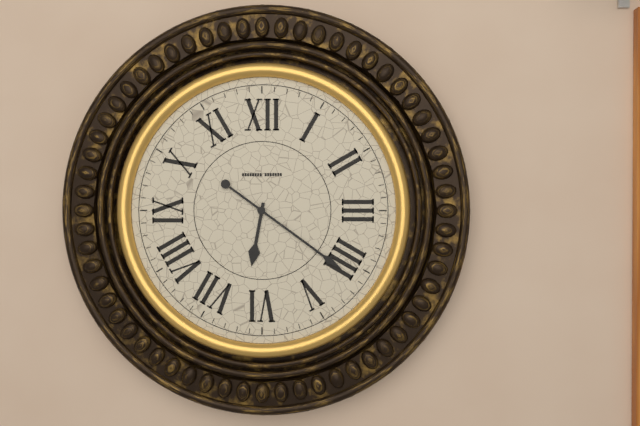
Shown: h=6 m=21
